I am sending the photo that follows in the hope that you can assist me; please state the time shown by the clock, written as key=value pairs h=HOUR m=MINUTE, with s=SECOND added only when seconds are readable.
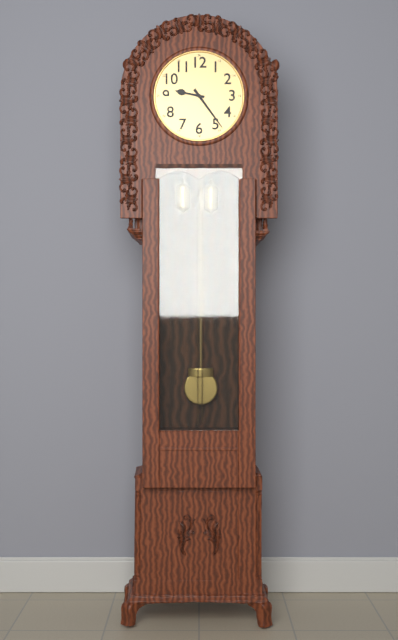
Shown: h=9 m=24
